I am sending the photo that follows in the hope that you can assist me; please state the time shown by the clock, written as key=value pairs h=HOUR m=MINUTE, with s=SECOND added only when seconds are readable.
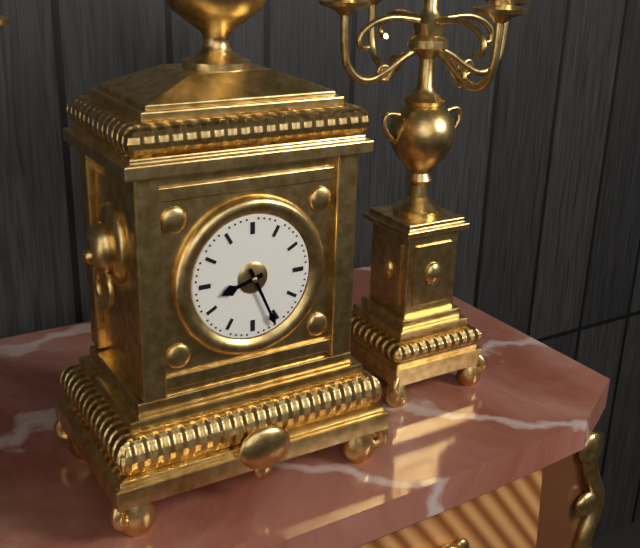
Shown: h=8 m=26
